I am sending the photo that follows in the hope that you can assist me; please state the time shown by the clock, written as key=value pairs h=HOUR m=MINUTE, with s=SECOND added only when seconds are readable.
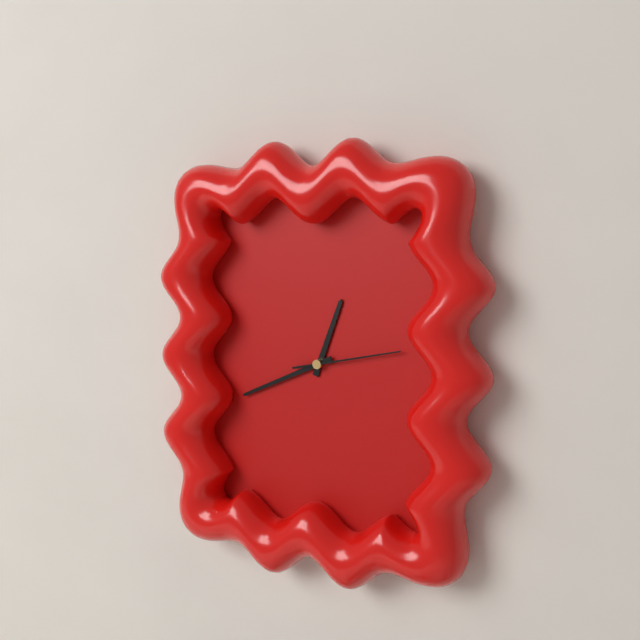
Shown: h=12 m=41 s=13
